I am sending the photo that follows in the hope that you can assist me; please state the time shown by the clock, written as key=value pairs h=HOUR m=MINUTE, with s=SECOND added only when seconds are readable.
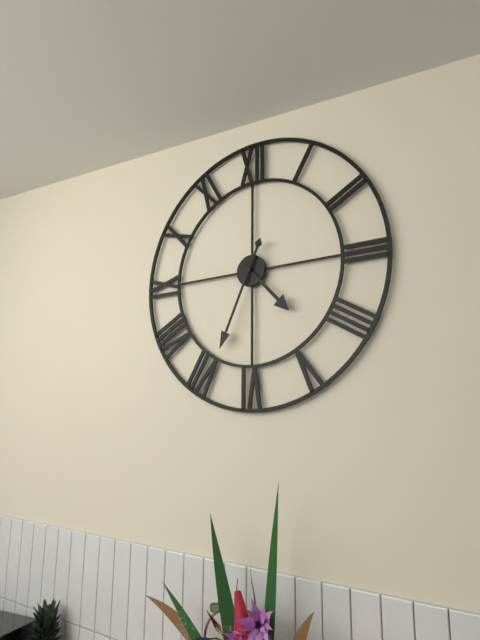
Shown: h=4 m=34
